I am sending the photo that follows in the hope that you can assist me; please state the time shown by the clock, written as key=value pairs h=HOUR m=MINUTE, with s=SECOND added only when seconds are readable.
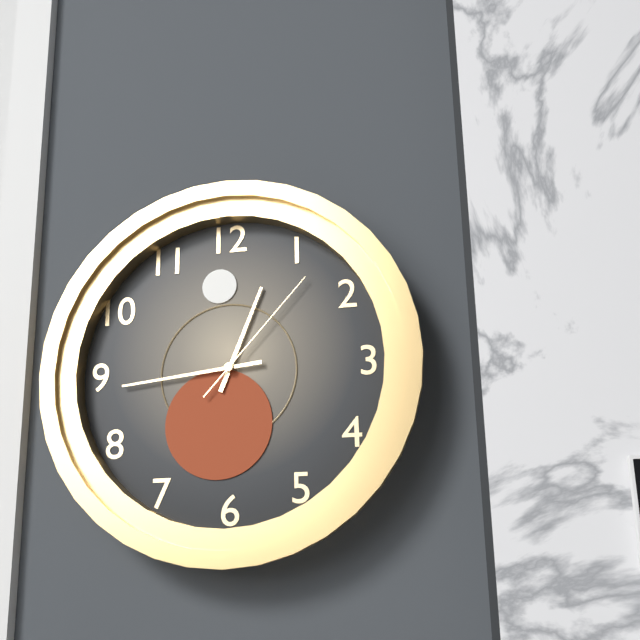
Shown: h=12 m=44 s=7
